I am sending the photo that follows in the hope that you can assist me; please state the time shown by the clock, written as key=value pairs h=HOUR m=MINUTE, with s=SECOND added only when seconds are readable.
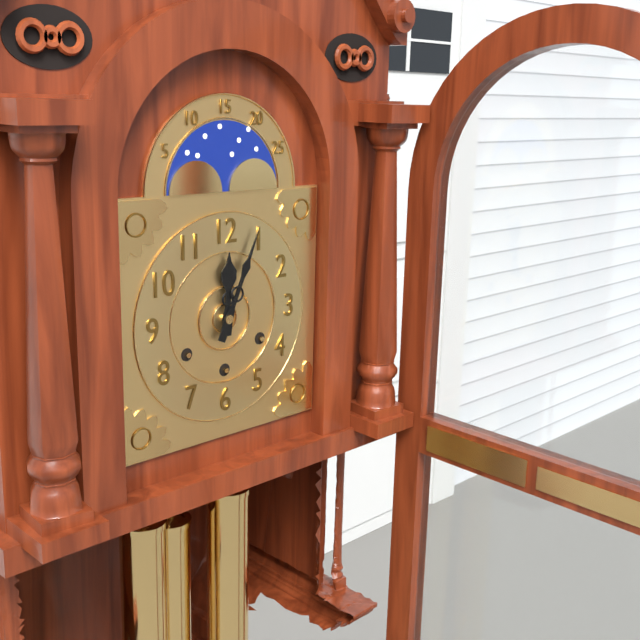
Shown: h=12 m=4
